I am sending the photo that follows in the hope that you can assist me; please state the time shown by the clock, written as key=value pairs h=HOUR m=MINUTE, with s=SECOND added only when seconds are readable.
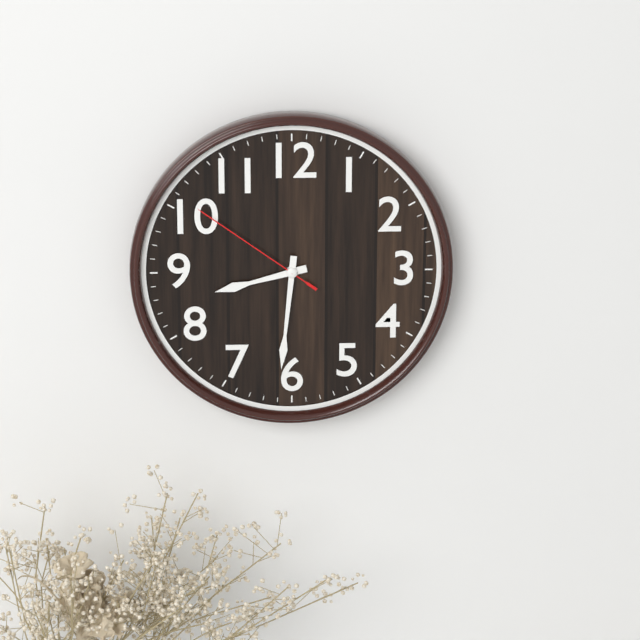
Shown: h=8 m=31 s=51
